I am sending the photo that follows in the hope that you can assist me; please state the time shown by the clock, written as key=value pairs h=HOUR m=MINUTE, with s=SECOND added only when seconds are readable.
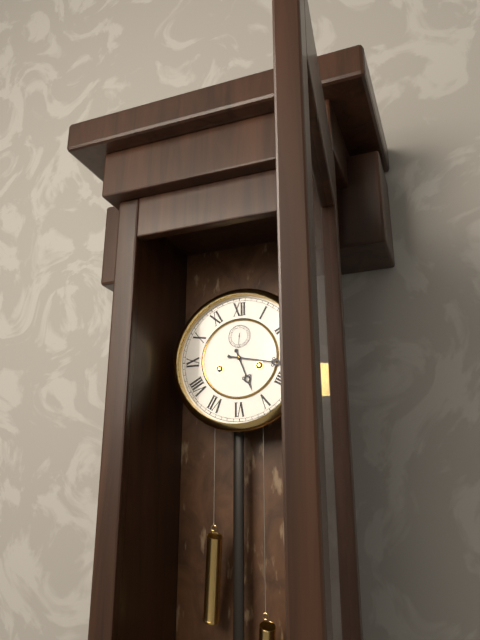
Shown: h=5 m=17
